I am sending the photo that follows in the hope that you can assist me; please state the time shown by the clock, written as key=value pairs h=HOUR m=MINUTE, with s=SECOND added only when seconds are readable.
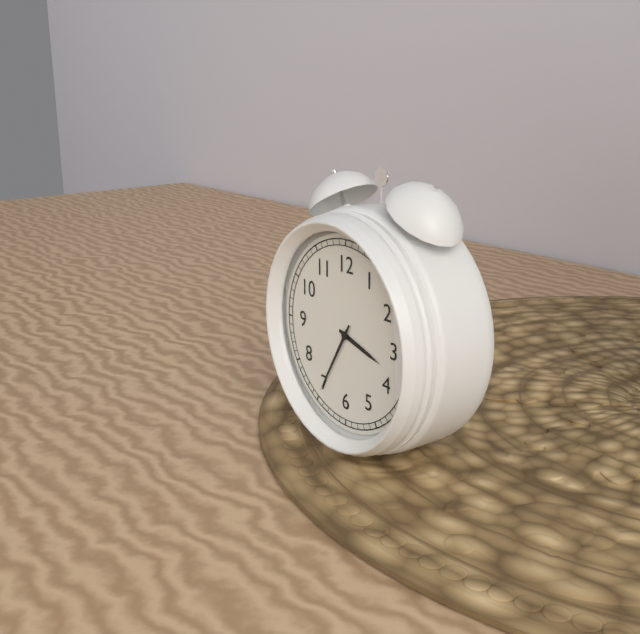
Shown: h=3 m=35
